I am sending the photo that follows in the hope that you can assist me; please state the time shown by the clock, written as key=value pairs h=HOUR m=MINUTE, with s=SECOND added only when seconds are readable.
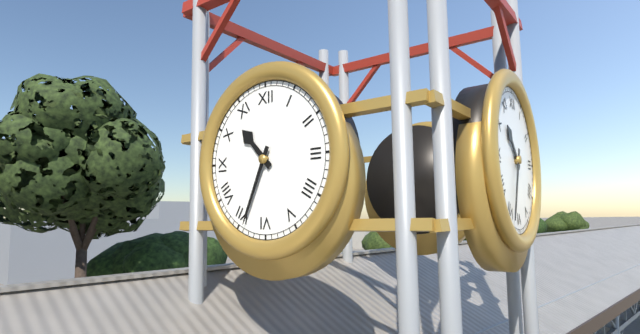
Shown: h=10 m=34
